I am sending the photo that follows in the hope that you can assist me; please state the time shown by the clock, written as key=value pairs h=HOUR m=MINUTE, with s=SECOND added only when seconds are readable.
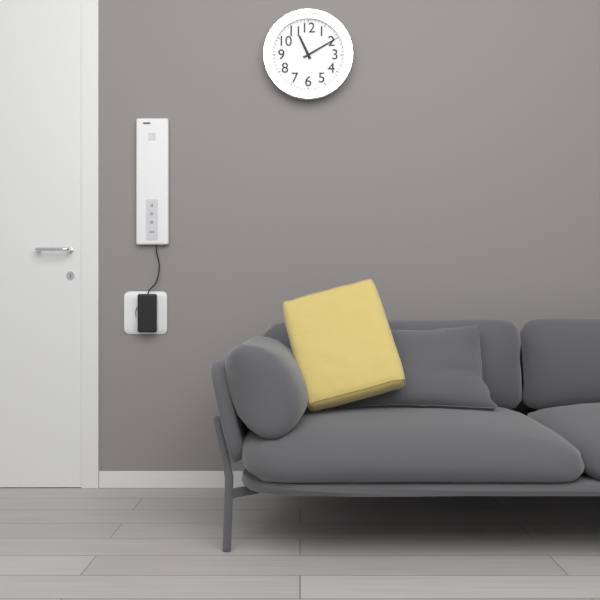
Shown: h=11 m=10
